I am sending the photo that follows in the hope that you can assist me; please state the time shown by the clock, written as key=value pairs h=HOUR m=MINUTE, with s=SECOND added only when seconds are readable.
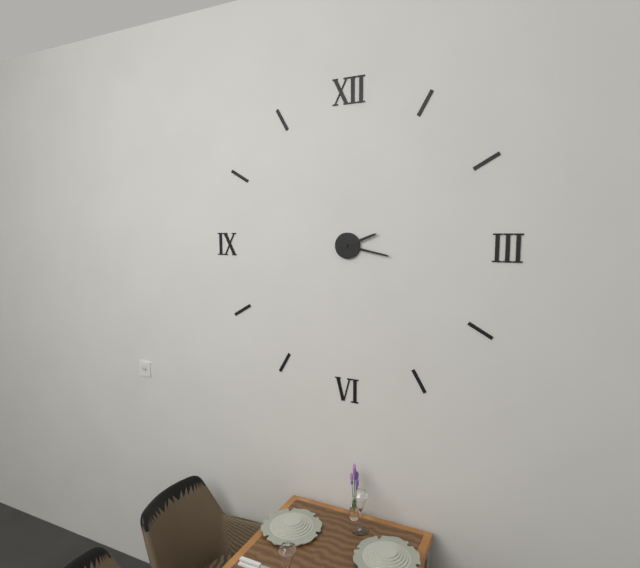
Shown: h=2 m=17
